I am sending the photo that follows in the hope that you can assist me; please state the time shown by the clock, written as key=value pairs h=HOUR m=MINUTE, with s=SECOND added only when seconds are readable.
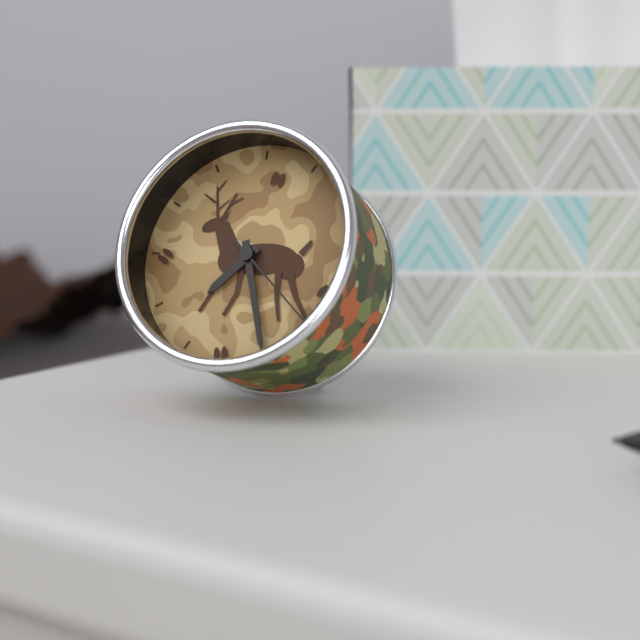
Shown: h=7 m=27 s=22
